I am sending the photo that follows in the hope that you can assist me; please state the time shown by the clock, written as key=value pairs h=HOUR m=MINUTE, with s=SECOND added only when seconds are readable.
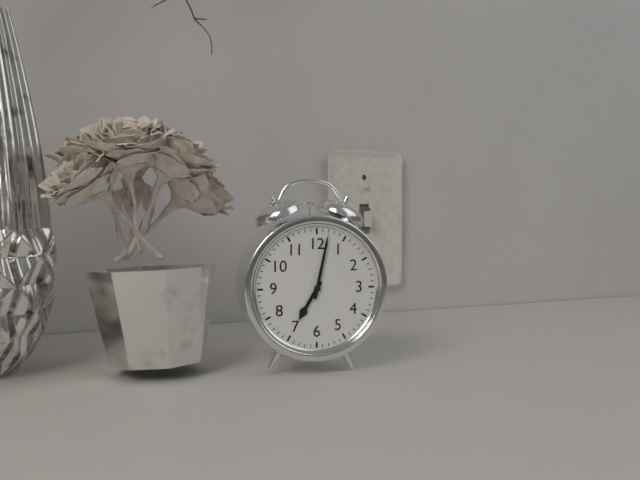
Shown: h=7 m=2
